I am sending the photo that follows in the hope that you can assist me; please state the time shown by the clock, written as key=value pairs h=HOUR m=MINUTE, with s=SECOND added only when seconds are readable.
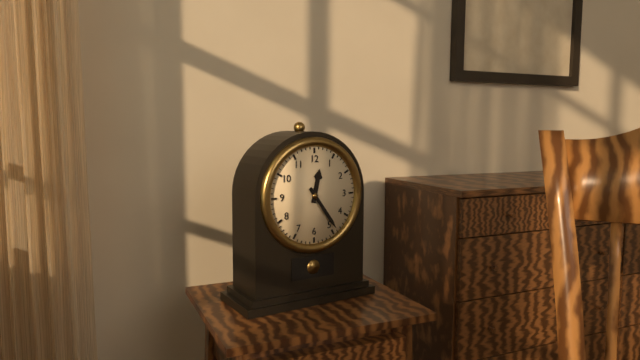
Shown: h=12 m=24
